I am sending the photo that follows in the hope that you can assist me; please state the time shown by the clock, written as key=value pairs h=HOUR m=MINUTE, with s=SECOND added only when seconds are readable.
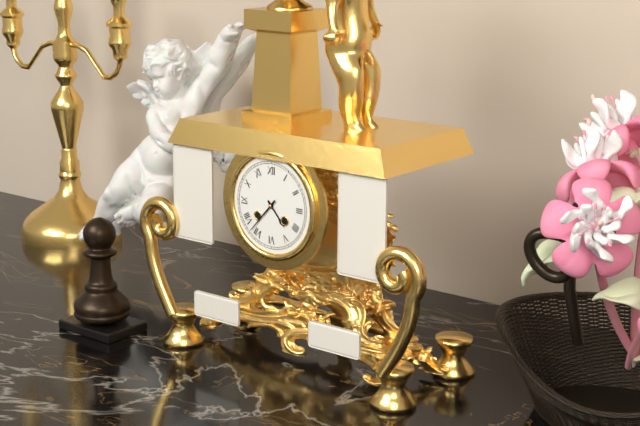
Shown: h=4 m=37
